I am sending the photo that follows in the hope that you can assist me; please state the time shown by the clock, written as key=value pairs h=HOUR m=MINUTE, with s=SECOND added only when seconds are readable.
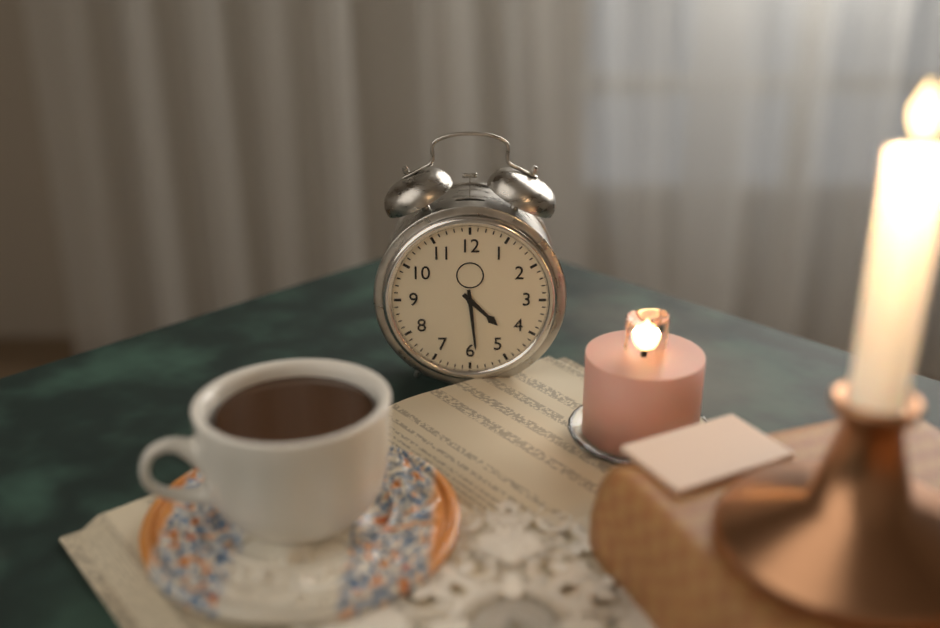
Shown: h=4 m=29
